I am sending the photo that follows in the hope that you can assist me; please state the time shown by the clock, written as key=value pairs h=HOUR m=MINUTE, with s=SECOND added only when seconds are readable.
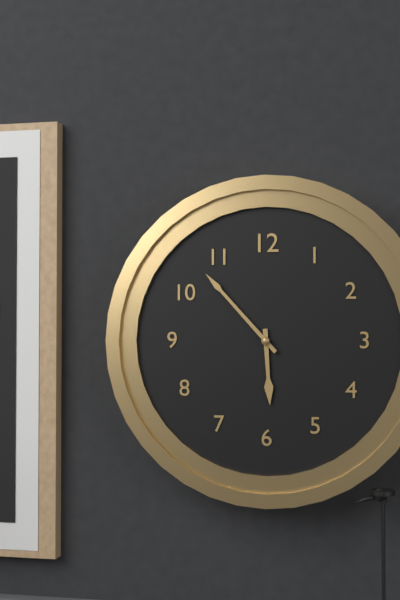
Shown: h=5 m=53
